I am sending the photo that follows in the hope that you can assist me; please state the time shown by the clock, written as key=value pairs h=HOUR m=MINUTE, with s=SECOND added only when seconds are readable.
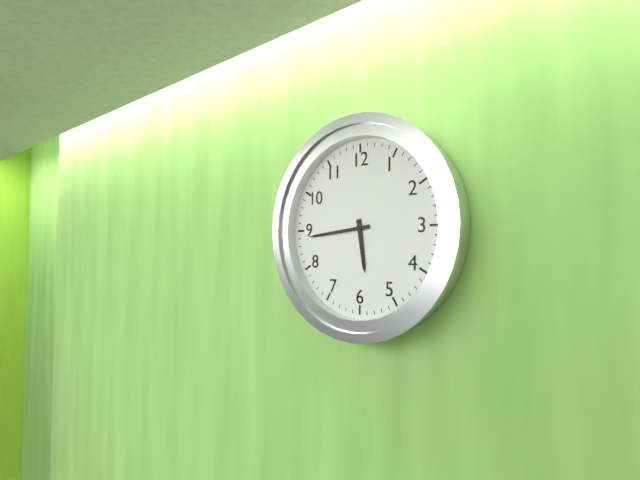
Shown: h=5 m=44
